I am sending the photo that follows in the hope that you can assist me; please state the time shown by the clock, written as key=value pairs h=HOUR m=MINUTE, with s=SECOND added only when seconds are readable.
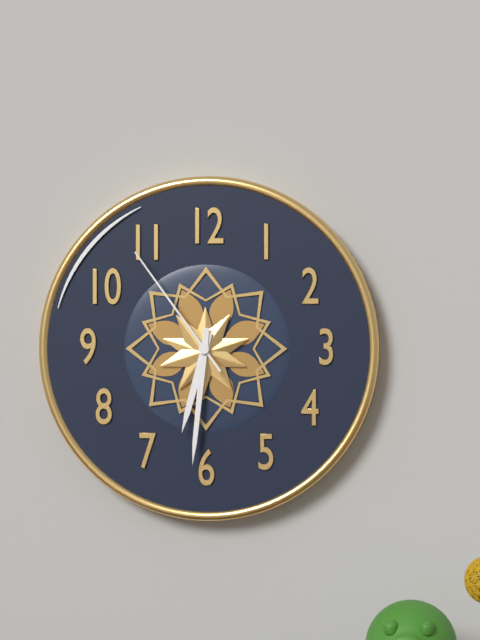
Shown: h=6 m=31 s=54
